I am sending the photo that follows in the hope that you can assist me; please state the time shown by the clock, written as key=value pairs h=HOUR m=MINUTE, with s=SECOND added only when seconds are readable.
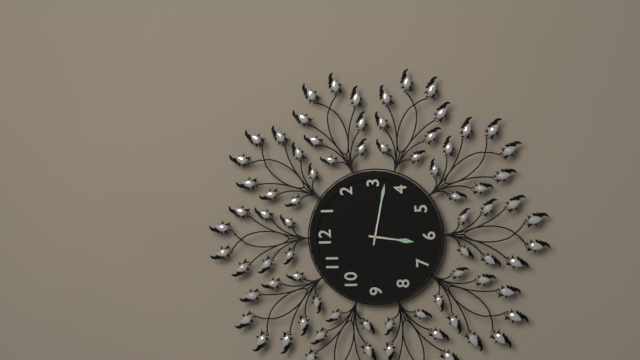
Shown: h=6 m=17
